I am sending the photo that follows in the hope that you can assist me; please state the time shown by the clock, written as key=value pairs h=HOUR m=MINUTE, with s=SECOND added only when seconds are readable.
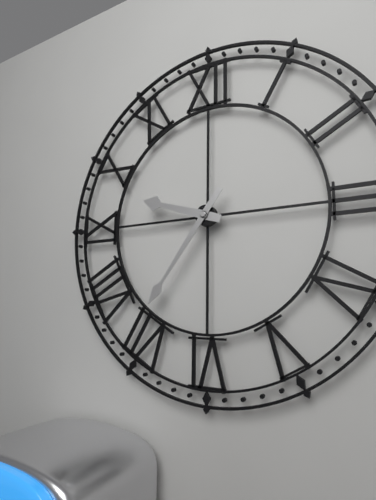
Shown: h=9 m=36
